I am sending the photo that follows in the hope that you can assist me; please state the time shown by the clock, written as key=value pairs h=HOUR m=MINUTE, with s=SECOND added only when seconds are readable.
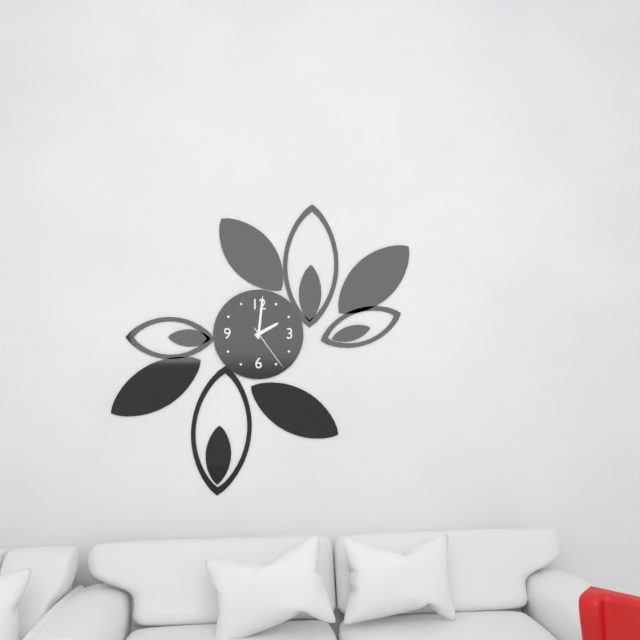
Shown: h=2 m=1 s=24
